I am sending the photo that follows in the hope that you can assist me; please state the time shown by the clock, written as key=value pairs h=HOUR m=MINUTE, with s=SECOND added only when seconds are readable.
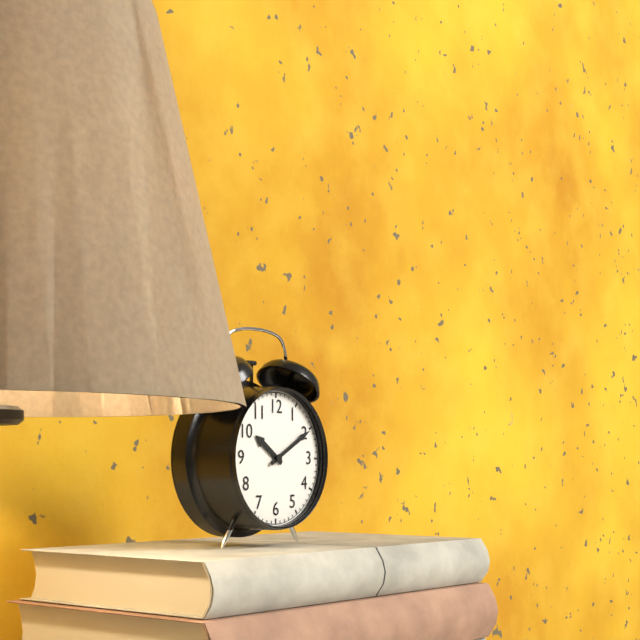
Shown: h=10 m=10
